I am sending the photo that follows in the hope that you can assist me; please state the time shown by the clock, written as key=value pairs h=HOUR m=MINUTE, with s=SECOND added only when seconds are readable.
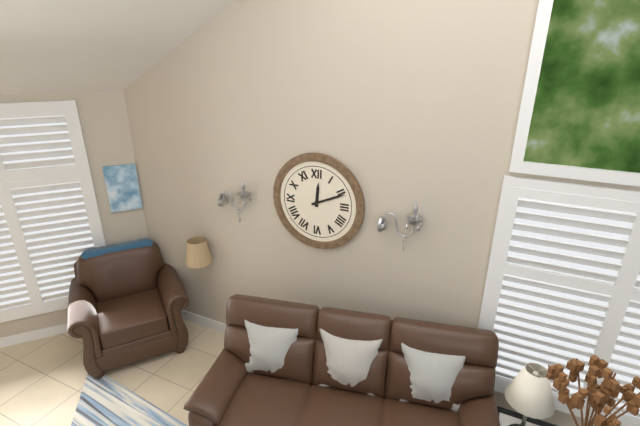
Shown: h=12 m=11
